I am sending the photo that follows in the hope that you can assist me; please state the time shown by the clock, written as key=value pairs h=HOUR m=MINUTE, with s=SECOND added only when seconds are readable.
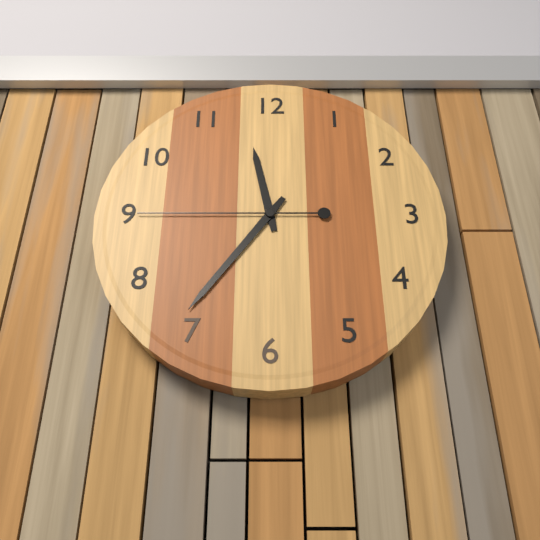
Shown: h=11 m=36 s=45
